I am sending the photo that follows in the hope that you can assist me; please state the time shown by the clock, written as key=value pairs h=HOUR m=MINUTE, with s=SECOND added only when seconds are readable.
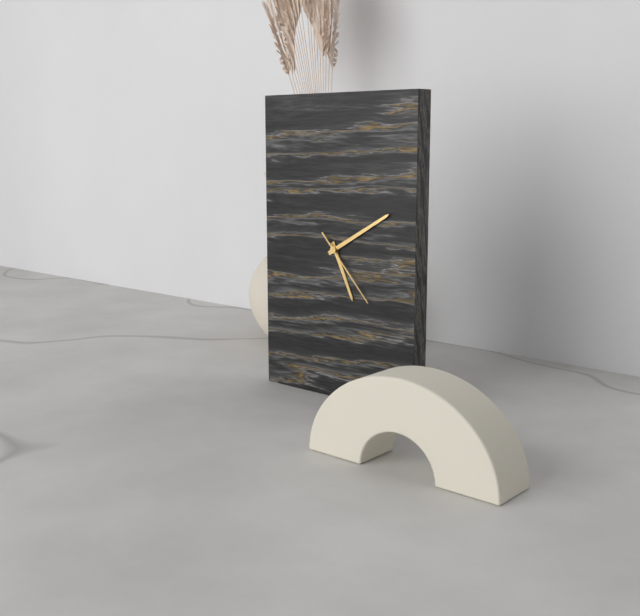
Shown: h=5 m=10 s=23
